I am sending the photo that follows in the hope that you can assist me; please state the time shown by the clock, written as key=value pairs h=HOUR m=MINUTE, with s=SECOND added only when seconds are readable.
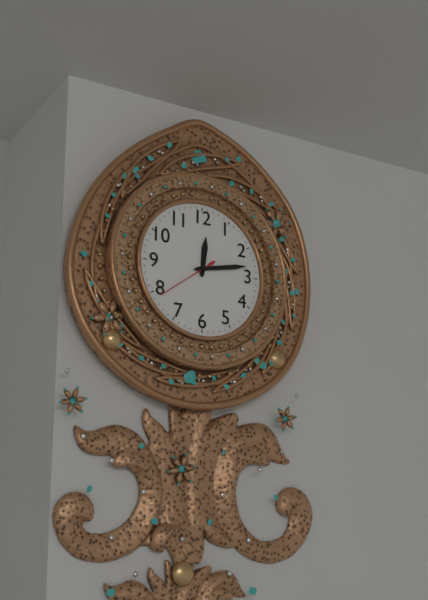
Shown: h=12 m=13 s=39
